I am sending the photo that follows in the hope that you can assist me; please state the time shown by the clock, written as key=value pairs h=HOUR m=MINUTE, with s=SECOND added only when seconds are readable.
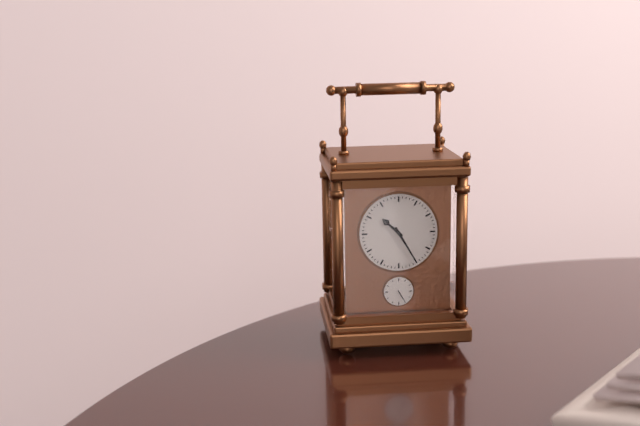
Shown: h=10 m=25
